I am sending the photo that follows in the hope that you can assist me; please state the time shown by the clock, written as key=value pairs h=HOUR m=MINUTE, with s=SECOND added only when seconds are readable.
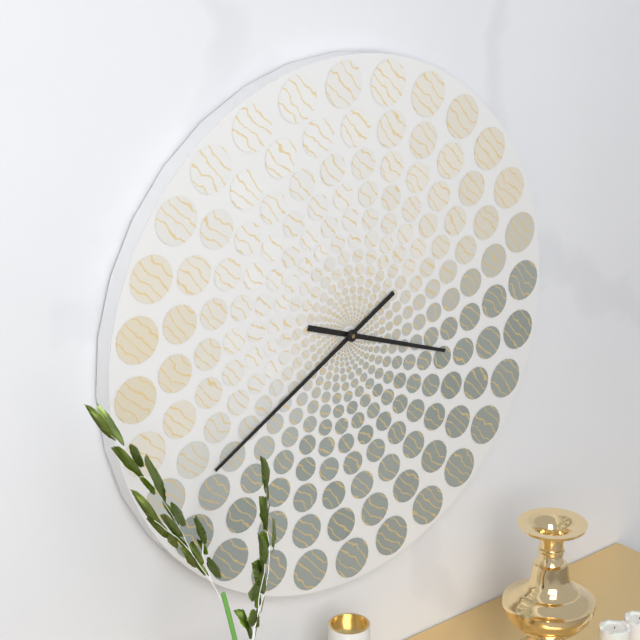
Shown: h=3 m=40
